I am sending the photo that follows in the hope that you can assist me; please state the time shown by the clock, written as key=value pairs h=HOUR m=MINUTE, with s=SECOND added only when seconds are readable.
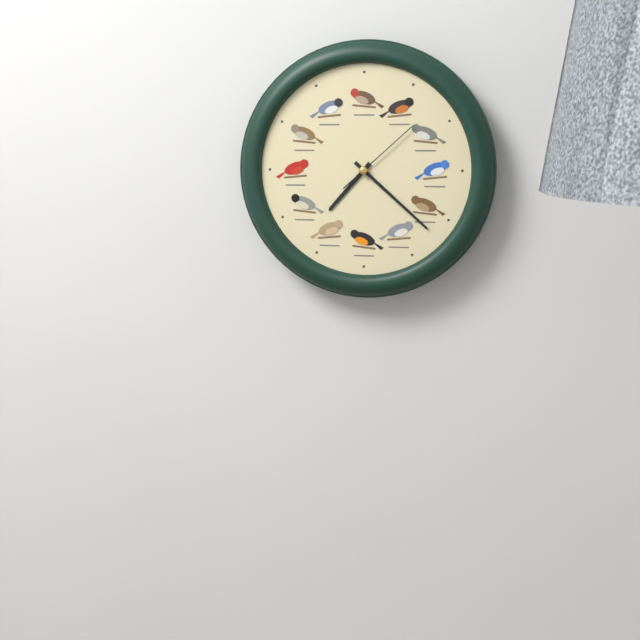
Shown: h=7 m=22 s=8
